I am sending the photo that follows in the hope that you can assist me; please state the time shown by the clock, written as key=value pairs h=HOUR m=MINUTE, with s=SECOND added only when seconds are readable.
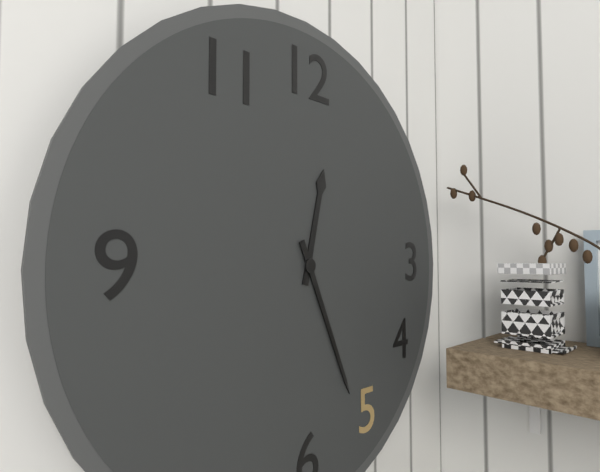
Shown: h=12 m=26
